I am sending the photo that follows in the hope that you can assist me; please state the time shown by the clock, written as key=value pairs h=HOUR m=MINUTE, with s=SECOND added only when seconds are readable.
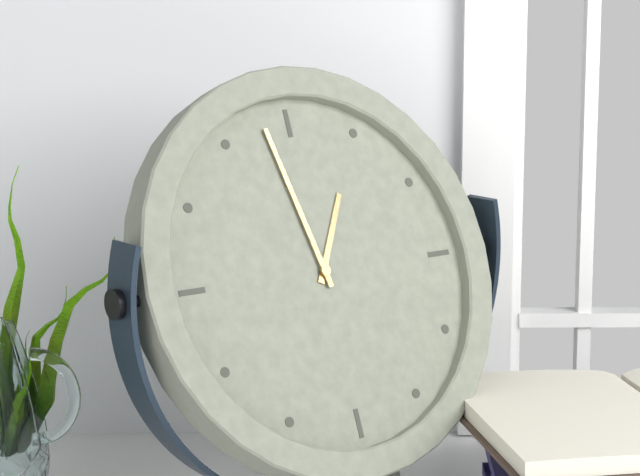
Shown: h=12 m=58
